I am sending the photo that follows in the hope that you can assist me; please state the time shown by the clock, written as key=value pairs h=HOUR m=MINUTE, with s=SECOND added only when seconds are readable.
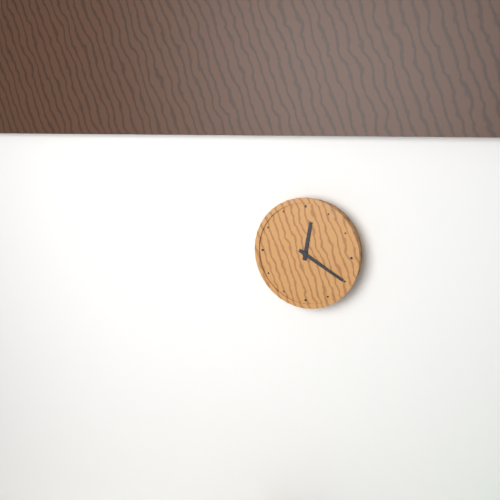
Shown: h=12 m=20
